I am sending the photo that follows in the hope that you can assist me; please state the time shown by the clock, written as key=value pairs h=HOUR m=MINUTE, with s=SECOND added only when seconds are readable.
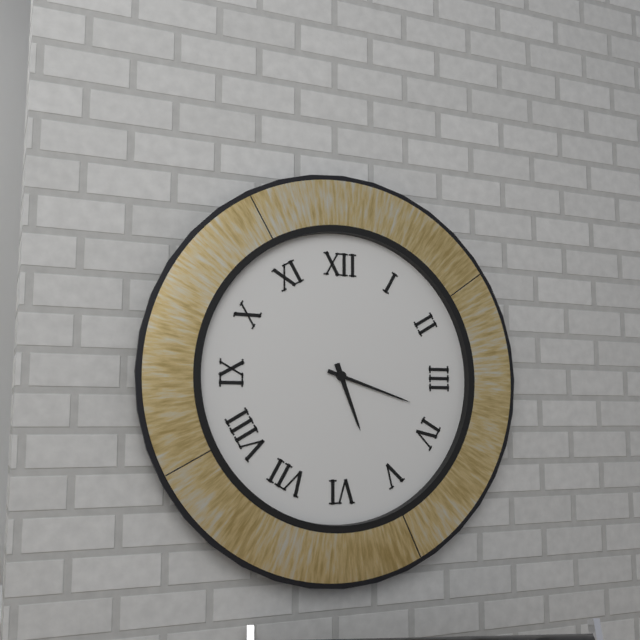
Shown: h=5 m=18
